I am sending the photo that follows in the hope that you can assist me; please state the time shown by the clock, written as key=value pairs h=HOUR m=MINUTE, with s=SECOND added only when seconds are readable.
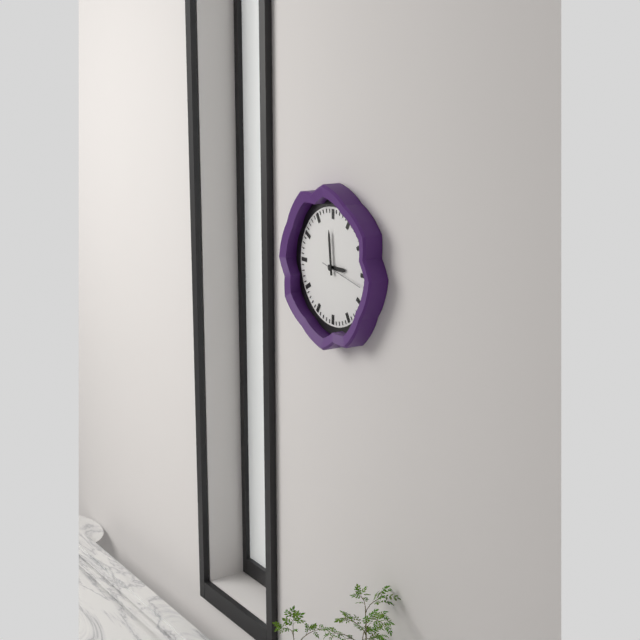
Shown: h=2 m=59
